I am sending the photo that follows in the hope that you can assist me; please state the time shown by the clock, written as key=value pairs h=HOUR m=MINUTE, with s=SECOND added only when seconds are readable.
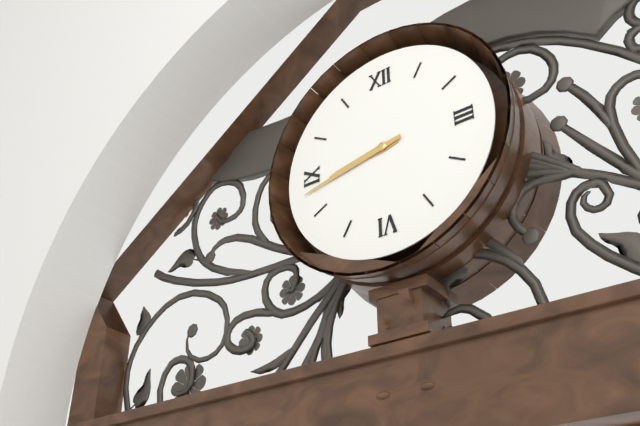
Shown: h=8 m=43
